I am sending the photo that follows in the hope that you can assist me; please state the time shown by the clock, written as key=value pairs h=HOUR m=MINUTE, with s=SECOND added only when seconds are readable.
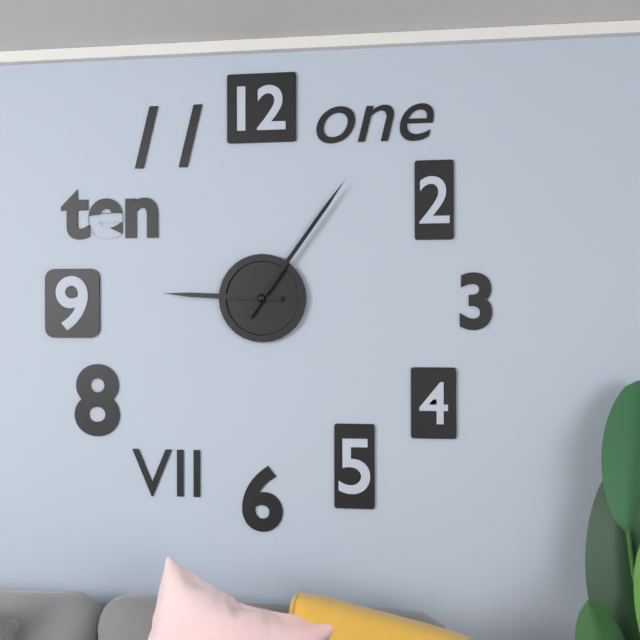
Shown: h=9 m=6
